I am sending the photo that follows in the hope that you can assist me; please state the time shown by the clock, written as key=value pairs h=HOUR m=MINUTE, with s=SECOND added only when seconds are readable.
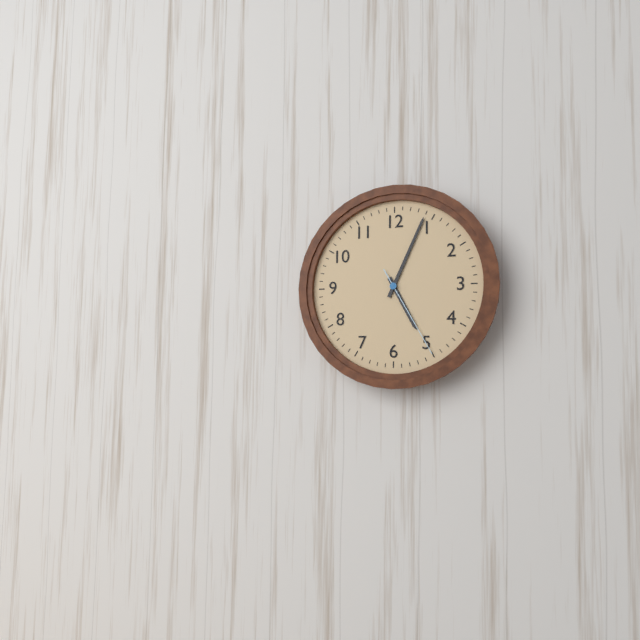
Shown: h=5 m=4 s=25
